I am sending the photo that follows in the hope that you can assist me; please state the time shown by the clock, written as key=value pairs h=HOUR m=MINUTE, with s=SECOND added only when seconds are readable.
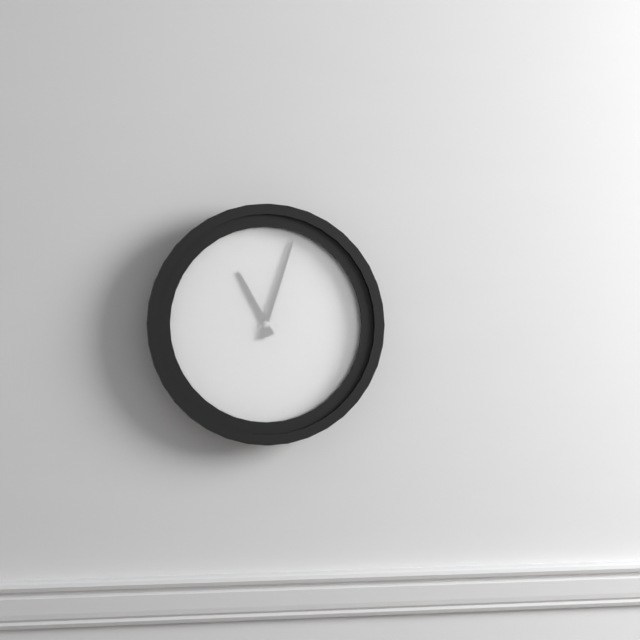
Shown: h=11 m=3
